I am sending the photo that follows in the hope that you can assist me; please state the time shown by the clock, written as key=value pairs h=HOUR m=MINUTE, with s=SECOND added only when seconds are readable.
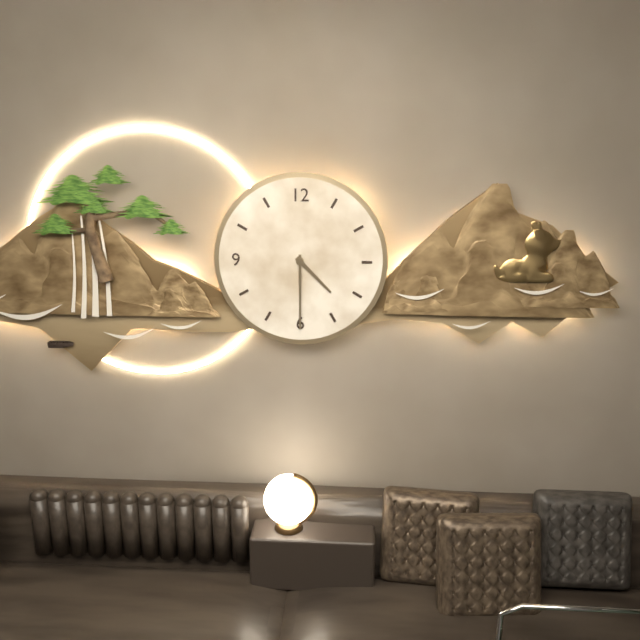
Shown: h=4 m=30
